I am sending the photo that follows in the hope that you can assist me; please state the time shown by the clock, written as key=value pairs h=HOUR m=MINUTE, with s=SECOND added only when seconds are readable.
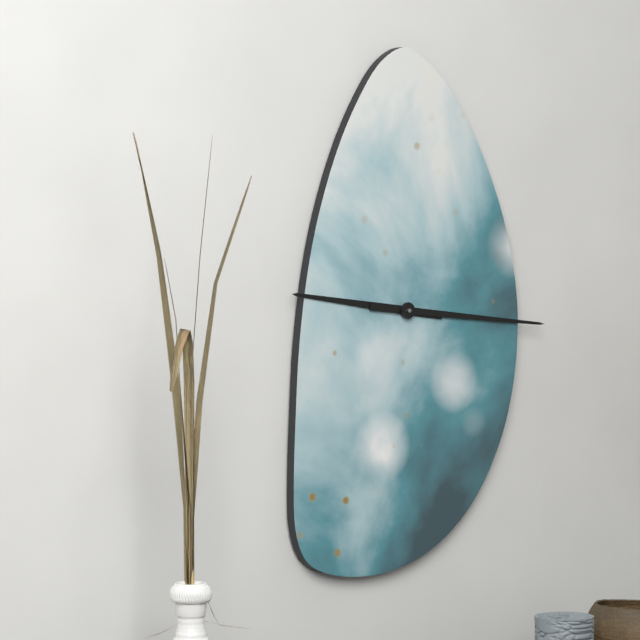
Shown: h=9 m=16
